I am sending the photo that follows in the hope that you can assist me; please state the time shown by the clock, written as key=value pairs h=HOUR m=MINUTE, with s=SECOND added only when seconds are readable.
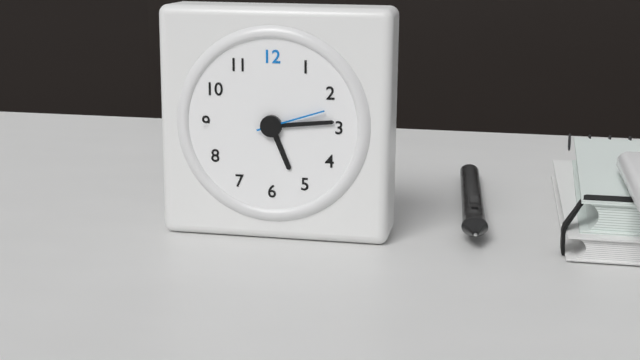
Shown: h=5 m=14 s=12
